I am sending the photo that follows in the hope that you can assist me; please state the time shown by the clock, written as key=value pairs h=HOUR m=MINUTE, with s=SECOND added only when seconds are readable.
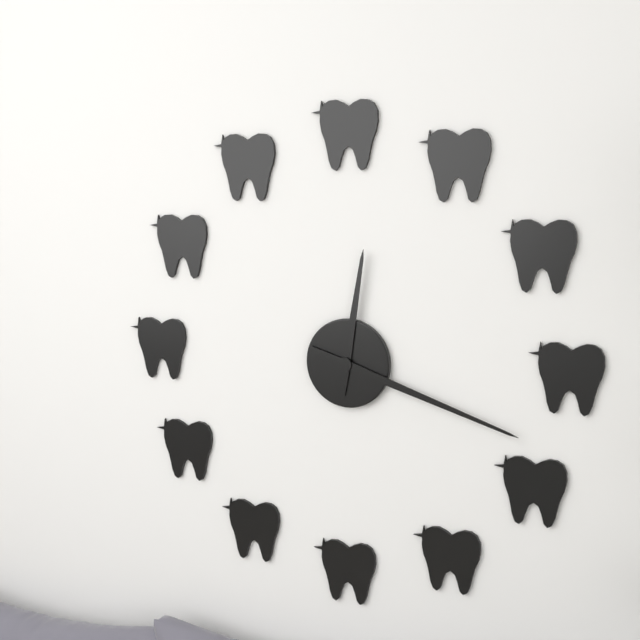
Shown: h=12 m=18
